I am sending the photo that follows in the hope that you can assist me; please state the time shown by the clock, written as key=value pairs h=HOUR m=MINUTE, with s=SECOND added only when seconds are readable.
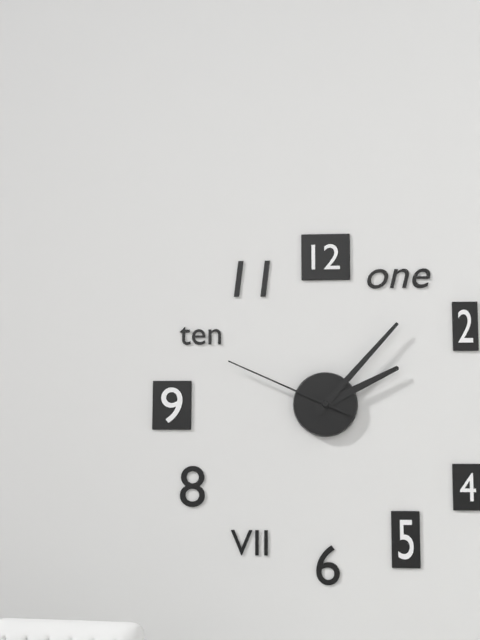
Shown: h=2 m=7 s=49
